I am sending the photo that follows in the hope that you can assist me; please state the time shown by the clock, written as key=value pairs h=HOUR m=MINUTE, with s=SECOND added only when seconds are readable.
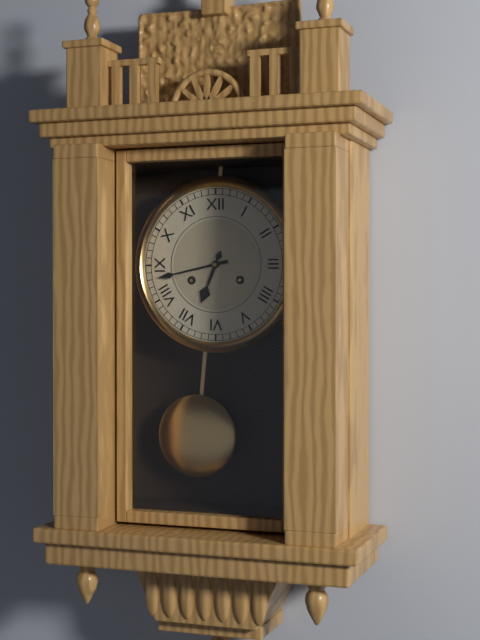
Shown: h=6 m=43
